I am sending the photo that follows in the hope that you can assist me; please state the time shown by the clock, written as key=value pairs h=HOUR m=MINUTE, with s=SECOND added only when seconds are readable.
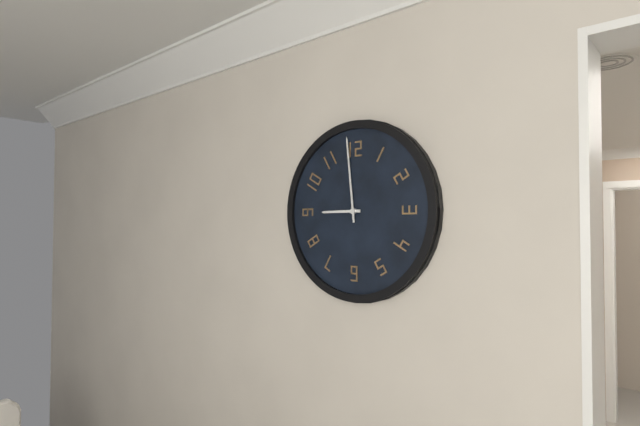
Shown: h=8 m=59
